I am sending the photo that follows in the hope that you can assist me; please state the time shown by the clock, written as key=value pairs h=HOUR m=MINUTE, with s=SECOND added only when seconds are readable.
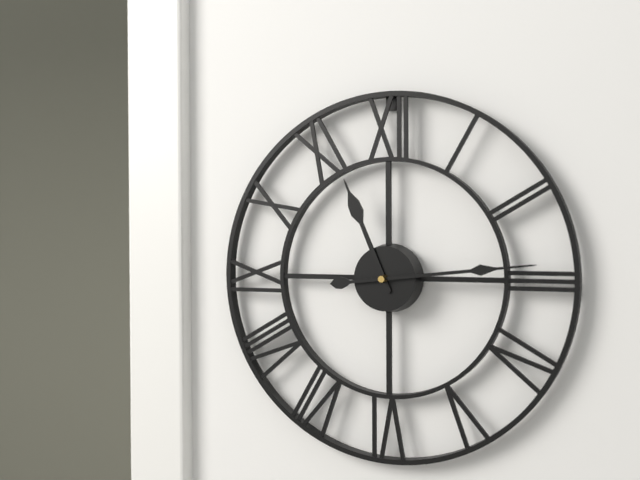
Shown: h=11 m=14
